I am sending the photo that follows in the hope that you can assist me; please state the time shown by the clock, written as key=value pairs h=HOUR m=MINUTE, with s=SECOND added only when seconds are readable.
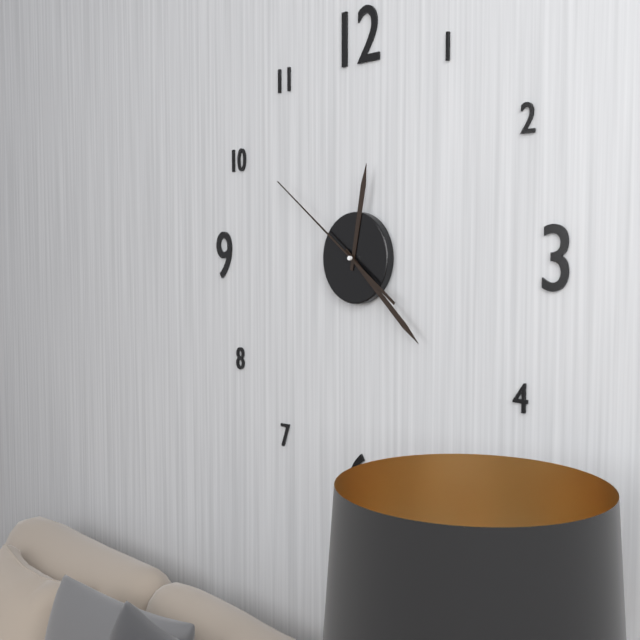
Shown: h=12 m=22 s=51
